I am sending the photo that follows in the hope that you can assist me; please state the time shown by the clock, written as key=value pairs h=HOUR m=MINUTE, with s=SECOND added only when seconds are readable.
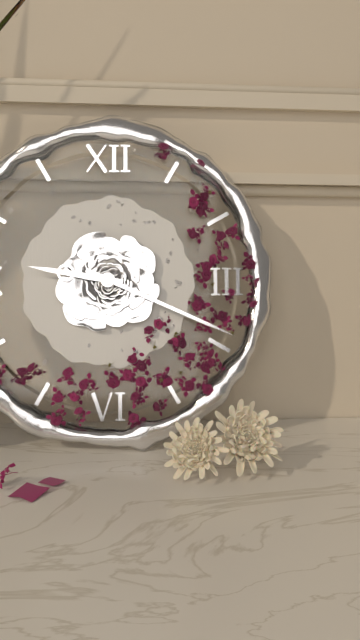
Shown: h=9 m=19
